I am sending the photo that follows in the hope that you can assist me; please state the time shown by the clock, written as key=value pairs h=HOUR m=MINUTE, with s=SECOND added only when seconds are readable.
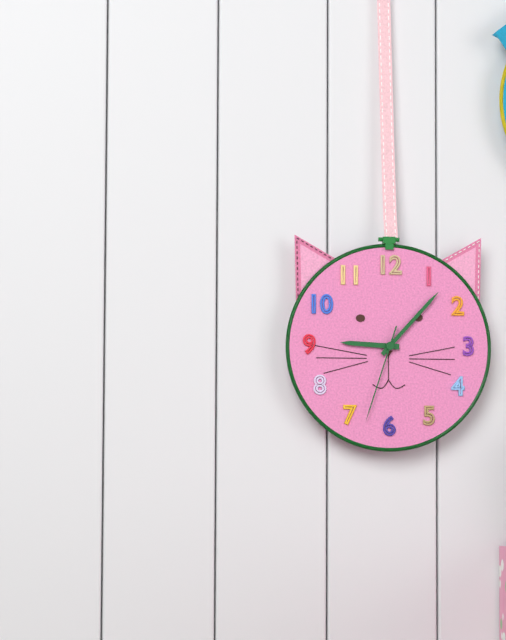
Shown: h=9 m=7 s=33
